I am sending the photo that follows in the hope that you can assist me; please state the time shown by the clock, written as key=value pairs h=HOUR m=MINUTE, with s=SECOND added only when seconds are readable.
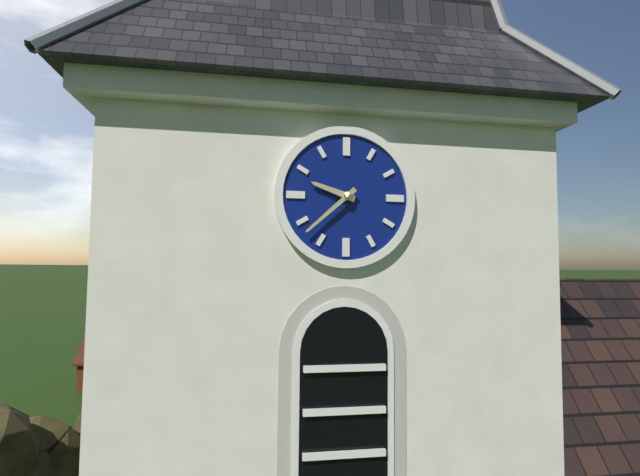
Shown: h=9 m=38
